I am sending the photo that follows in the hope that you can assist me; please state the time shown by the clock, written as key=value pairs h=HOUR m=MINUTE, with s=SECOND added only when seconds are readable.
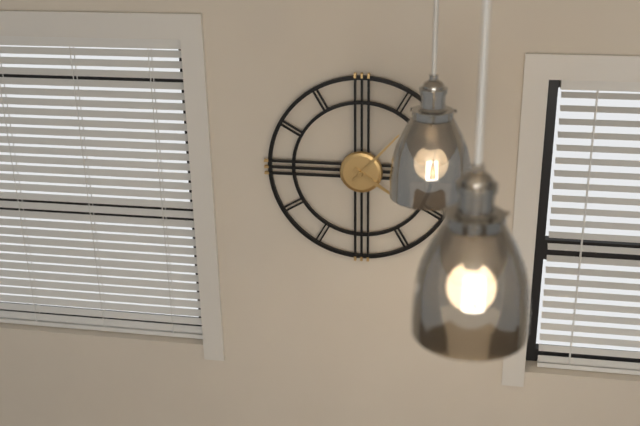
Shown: h=4 m=7
